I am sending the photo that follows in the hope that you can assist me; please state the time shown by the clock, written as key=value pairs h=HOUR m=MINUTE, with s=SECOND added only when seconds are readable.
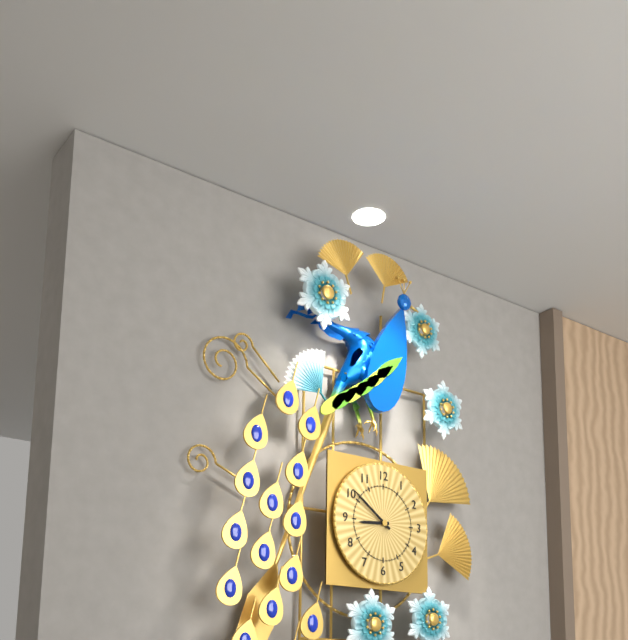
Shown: h=8 m=51
